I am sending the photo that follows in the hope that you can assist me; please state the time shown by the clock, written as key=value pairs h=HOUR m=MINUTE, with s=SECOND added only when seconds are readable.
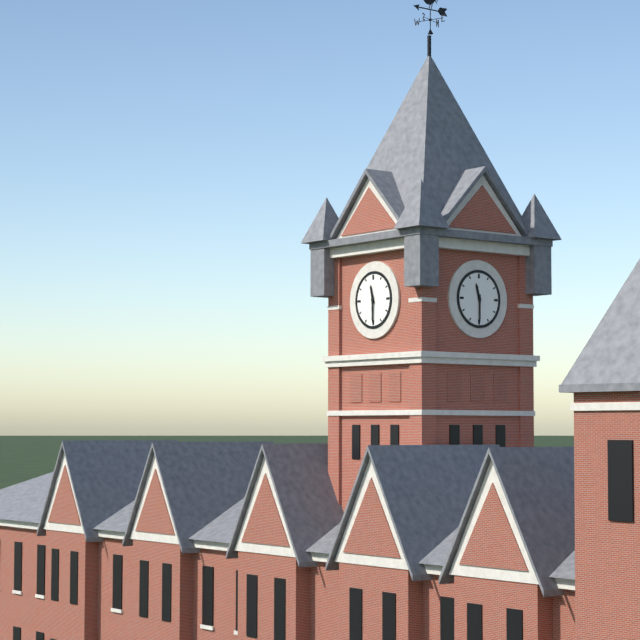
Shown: h=11 m=30
